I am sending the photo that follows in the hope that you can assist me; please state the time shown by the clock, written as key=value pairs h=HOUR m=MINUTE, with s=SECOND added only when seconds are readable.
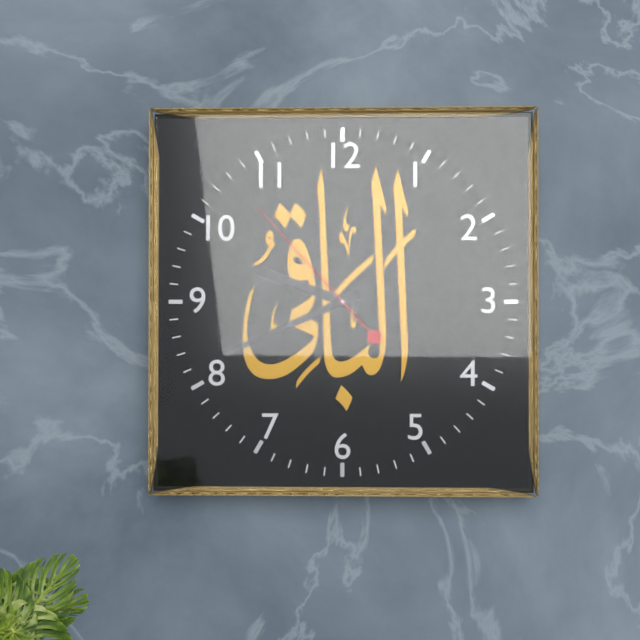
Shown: h=9 m=41 s=53
